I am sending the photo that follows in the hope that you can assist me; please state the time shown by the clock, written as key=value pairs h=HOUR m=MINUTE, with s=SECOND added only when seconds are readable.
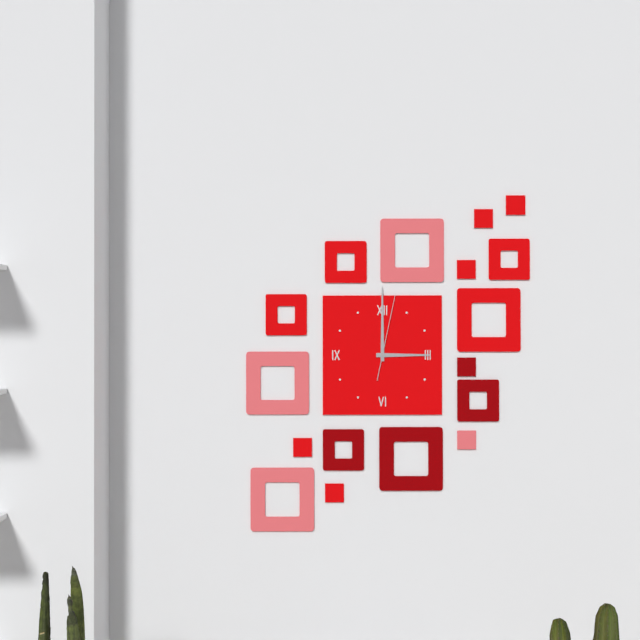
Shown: h=3 m=0 s=2
